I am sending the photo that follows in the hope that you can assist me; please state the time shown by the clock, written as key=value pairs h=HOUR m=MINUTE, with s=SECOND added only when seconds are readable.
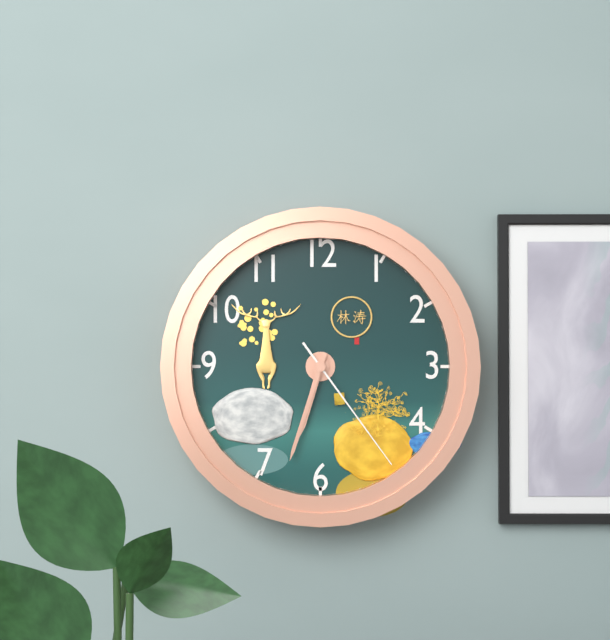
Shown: h=6 m=33 s=24
